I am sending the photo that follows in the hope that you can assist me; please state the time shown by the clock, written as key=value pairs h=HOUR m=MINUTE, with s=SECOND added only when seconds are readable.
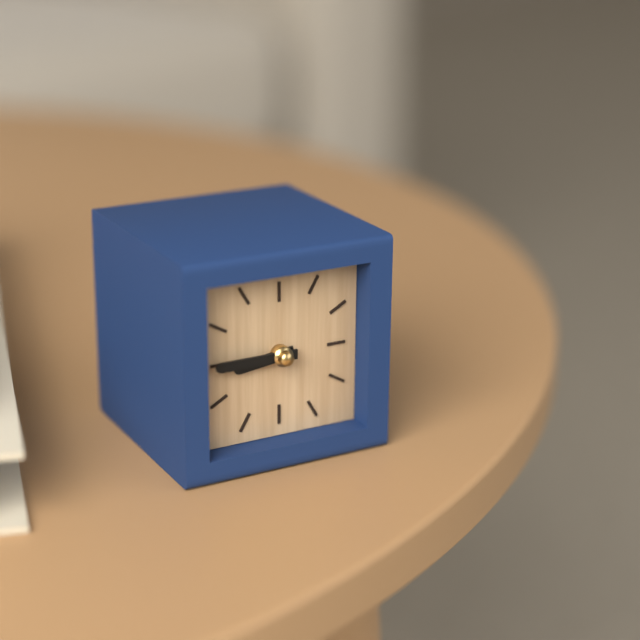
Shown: h=8 m=45
